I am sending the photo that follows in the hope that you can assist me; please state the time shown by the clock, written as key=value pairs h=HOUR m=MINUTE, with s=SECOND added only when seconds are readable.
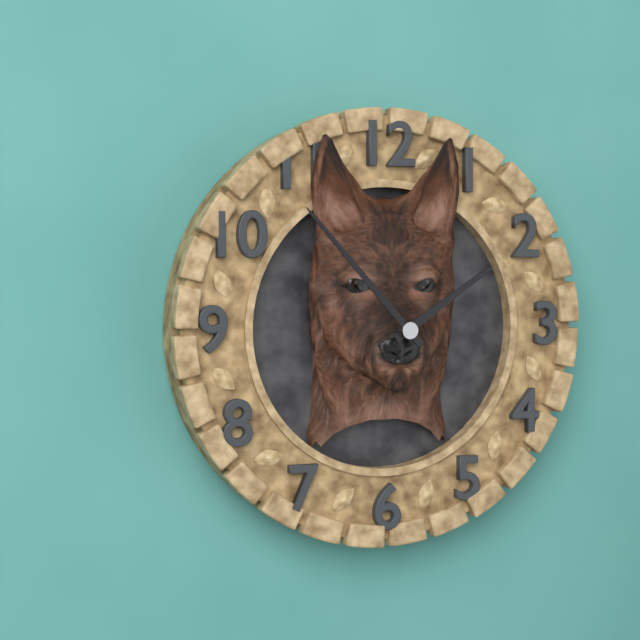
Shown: h=1 m=53
